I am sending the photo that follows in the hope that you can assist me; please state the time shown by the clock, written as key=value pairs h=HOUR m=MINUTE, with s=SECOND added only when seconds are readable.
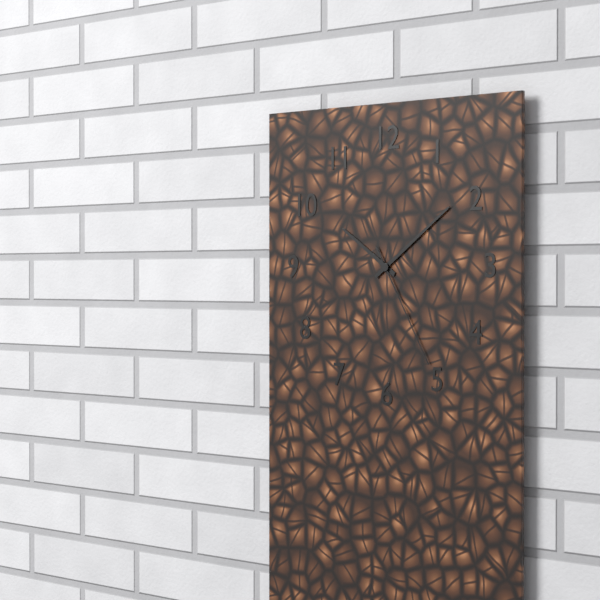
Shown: h=10 m=9 s=25
